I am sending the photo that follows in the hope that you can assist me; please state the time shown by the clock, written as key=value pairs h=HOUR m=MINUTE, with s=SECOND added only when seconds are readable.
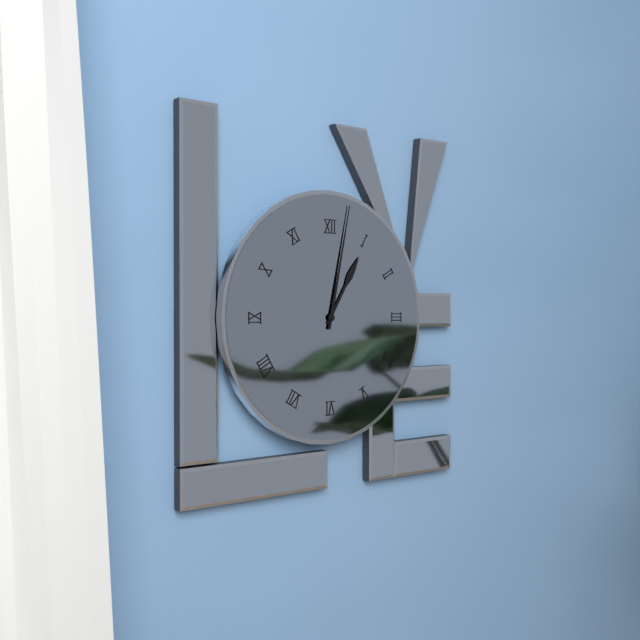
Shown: h=1 m=2
